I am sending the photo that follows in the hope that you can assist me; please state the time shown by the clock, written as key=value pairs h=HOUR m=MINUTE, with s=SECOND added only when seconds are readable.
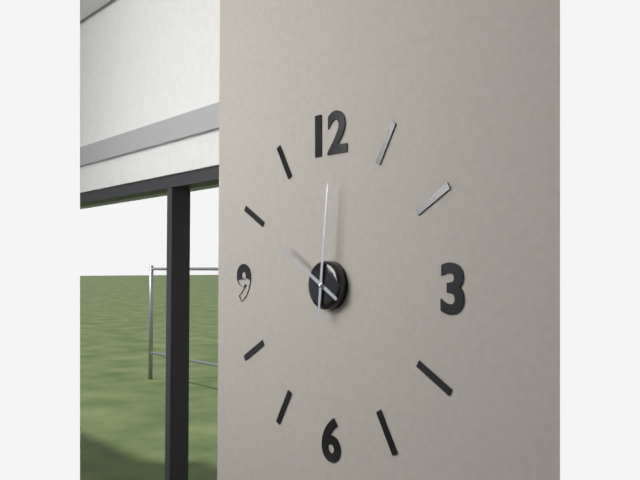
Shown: h=10 m=1
